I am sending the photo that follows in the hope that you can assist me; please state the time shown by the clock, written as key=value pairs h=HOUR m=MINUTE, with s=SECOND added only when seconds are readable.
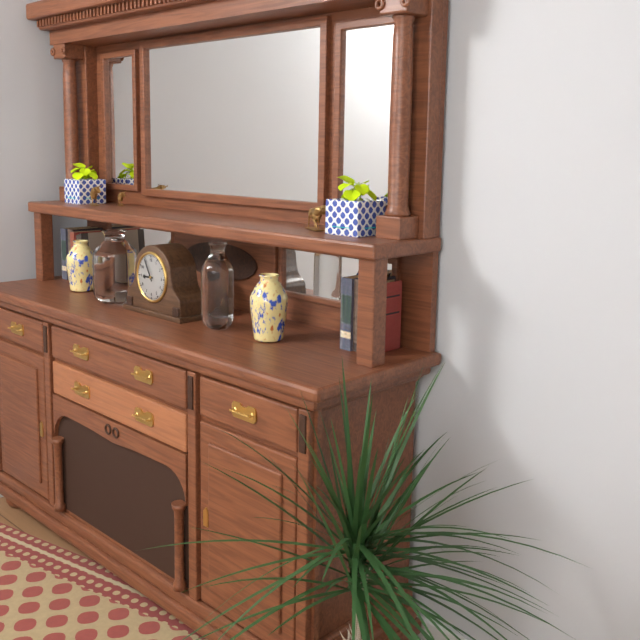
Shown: h=8 m=55
